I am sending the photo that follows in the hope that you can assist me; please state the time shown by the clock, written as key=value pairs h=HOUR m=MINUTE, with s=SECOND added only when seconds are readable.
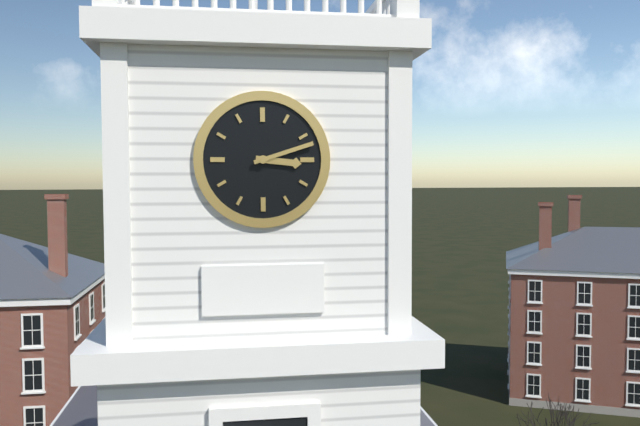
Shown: h=3 m=12
